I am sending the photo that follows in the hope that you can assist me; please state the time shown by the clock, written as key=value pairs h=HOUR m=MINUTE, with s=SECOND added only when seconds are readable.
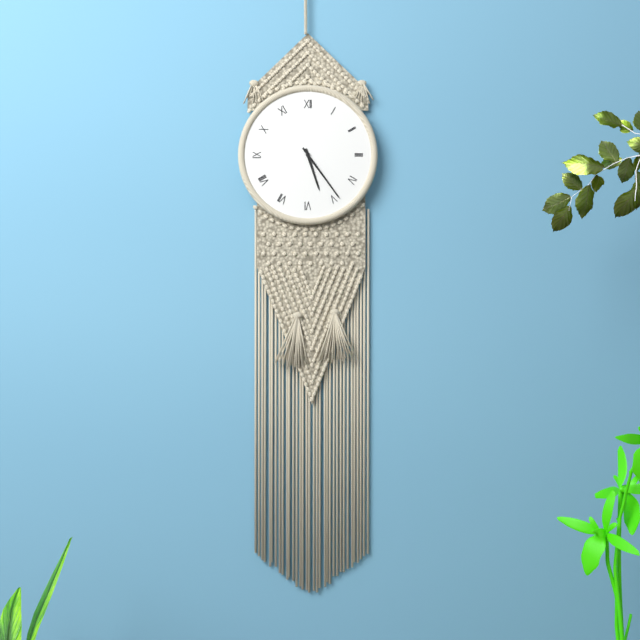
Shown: h=5 m=24
